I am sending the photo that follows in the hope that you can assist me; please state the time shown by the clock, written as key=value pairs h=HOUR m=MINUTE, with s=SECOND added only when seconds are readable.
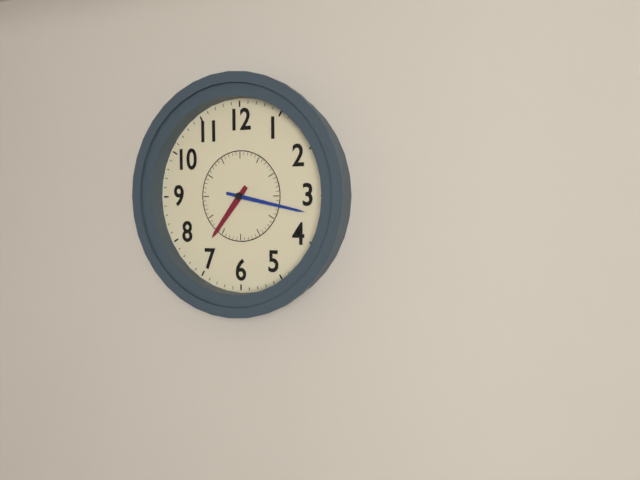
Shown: h=7 m=17
